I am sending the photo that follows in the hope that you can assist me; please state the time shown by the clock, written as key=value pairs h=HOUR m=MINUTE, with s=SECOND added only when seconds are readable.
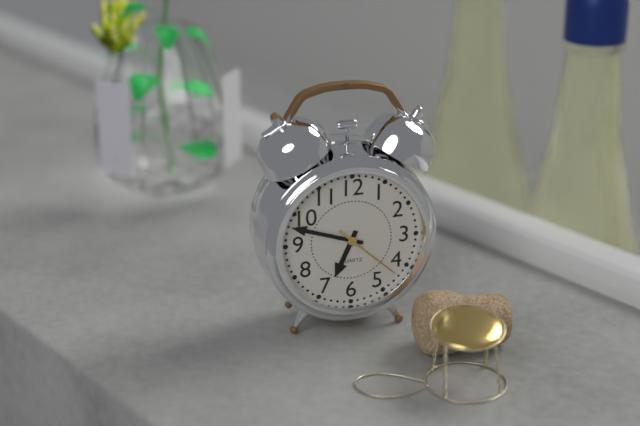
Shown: h=6 m=48 s=22
